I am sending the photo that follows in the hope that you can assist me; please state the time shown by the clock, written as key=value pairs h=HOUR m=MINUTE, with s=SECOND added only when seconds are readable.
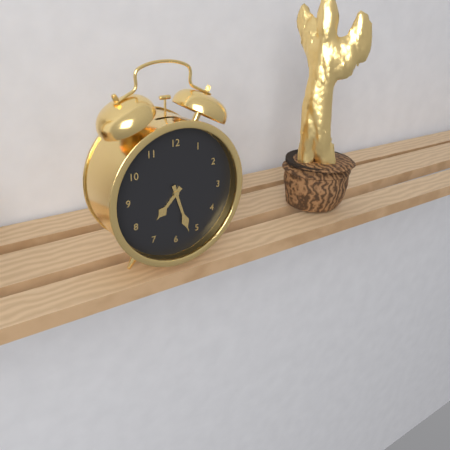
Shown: h=7 m=27
